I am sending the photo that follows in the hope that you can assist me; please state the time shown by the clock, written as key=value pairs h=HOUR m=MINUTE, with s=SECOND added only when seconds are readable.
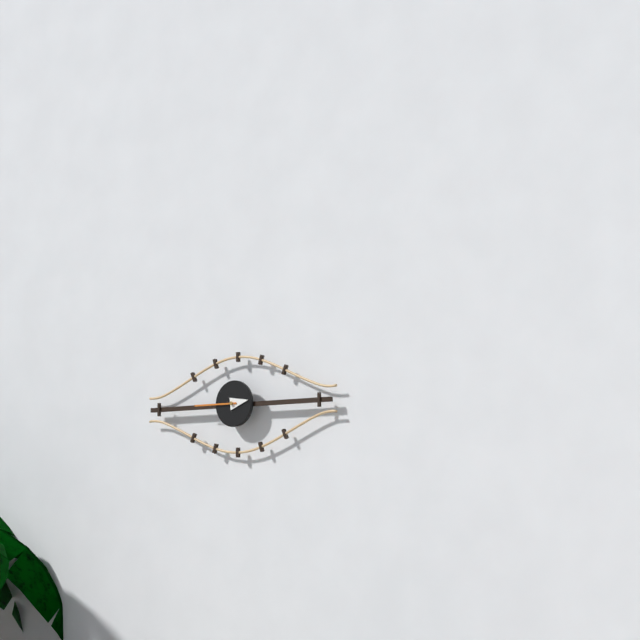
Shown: h=2 m=45
